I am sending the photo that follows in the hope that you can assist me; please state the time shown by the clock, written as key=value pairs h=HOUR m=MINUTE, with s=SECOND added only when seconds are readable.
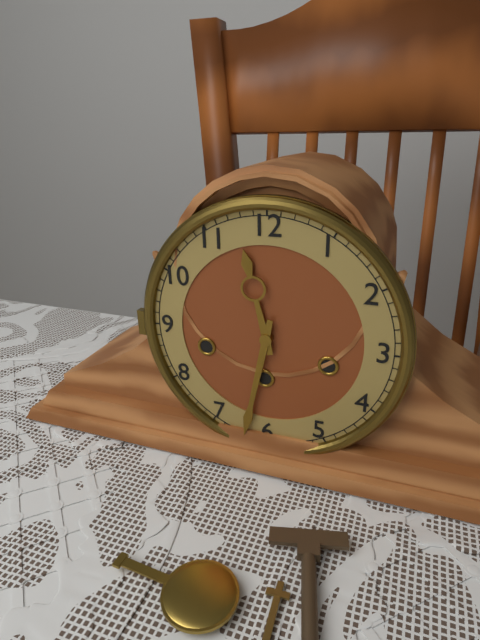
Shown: h=11 m=32
